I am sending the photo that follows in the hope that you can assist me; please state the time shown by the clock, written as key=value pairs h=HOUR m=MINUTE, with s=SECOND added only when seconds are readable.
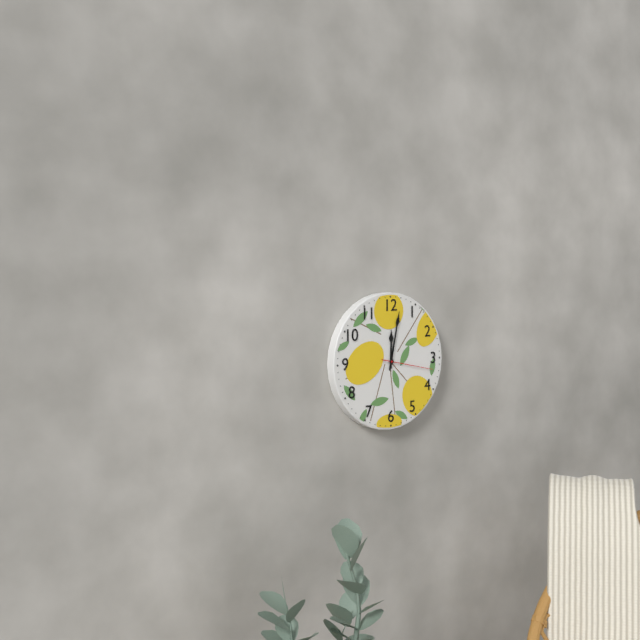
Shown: h=12 m=2 s=17
